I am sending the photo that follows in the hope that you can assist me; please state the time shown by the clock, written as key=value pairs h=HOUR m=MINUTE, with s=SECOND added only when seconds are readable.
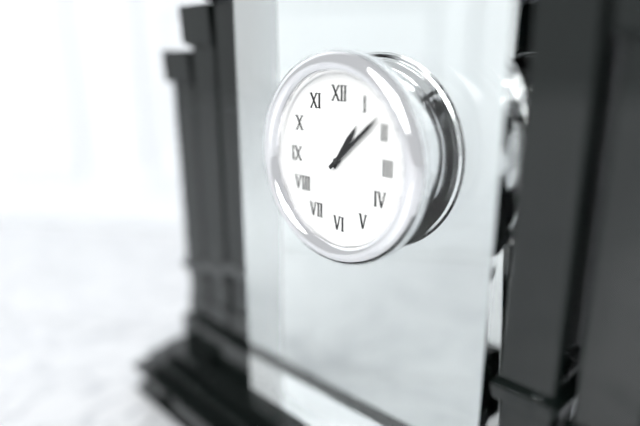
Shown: h=1 m=8
